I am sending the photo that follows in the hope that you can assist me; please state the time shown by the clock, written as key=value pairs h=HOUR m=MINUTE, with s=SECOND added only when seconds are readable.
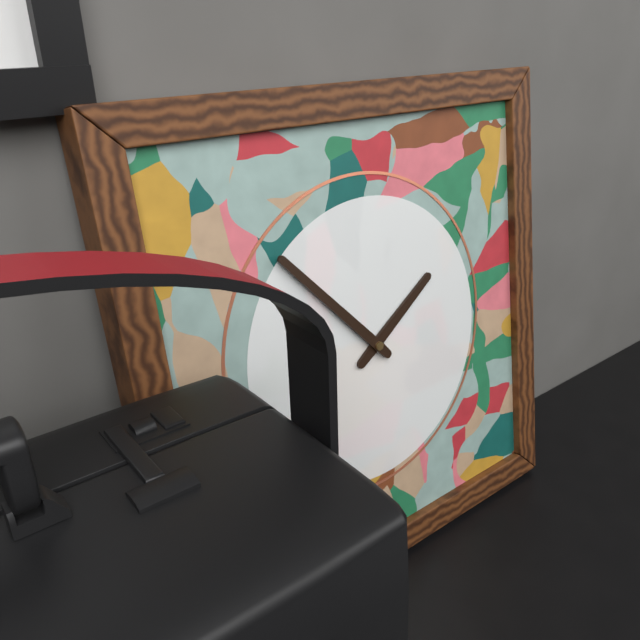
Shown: h=1 m=53
